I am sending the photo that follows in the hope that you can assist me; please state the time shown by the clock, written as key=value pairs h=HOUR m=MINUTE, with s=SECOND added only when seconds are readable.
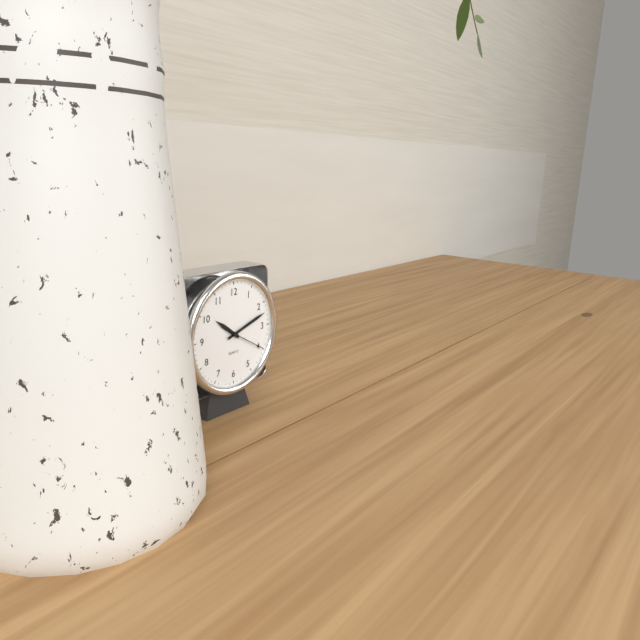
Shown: h=10 m=12
